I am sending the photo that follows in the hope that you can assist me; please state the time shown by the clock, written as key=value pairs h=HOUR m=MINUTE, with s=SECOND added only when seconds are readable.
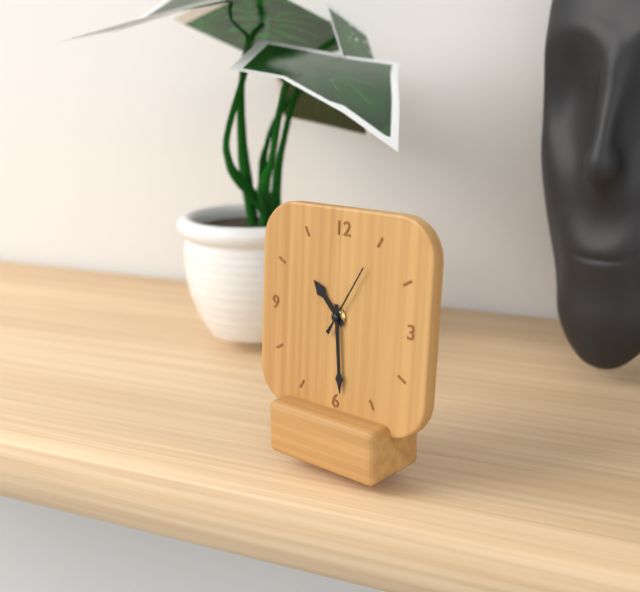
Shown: h=10 m=29 s=5
